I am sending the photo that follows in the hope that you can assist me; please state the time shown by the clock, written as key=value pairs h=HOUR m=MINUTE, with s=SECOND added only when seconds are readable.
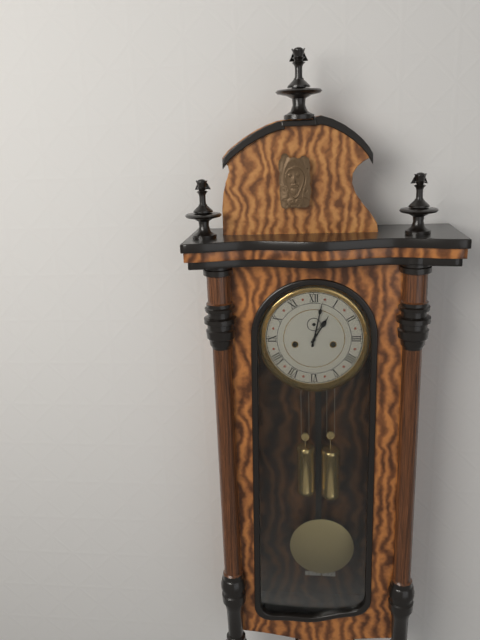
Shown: h=1 m=2
